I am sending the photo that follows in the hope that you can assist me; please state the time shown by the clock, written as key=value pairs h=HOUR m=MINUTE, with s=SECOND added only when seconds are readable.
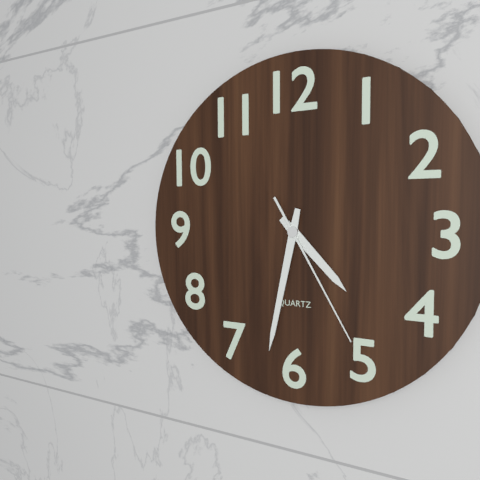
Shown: h=4 m=32 s=25
